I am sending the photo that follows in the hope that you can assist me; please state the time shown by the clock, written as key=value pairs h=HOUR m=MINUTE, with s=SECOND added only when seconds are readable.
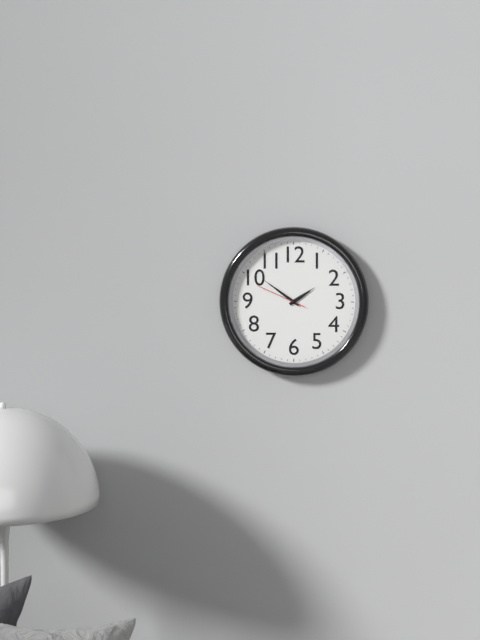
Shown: h=1 m=51
